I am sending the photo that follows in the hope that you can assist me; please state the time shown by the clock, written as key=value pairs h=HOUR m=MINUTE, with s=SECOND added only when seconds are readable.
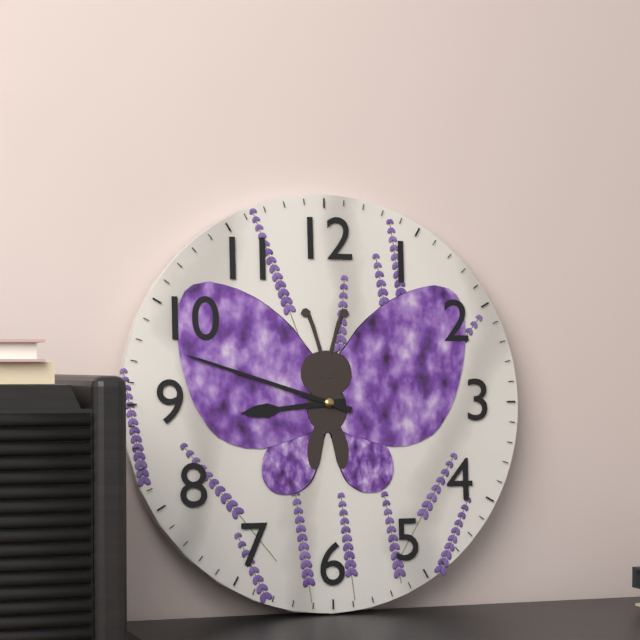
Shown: h=8 m=48
